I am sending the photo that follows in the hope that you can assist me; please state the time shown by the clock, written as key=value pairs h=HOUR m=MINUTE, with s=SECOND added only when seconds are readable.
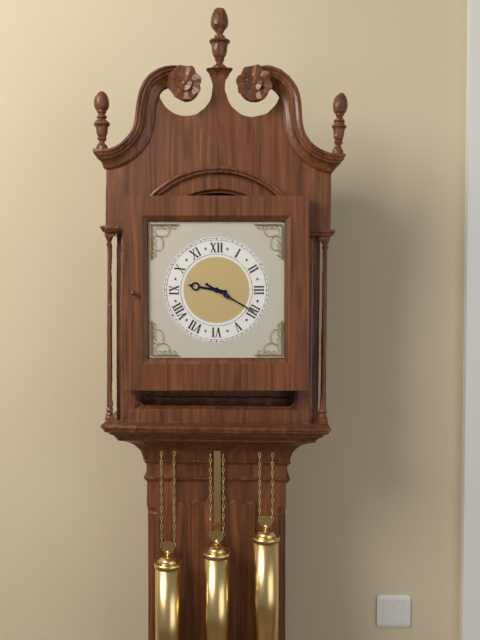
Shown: h=9 m=20
